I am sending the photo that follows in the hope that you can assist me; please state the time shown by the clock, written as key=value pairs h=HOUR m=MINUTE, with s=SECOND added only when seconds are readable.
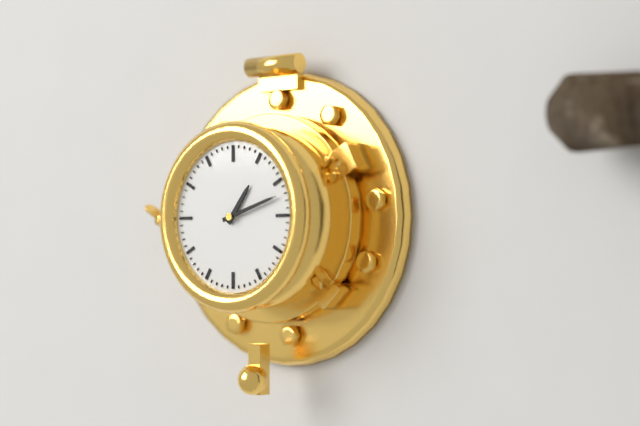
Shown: h=1 m=12
